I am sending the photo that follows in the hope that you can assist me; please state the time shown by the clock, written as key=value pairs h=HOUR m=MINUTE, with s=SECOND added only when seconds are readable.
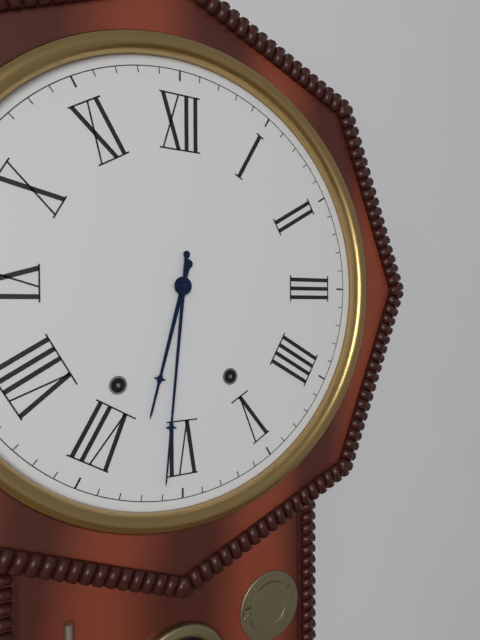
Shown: h=6 m=31
